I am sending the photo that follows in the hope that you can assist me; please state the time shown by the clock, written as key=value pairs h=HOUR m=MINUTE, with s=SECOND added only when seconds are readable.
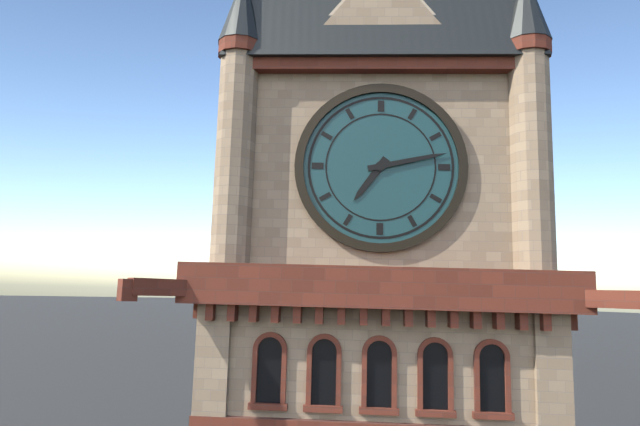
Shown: h=7 m=13
